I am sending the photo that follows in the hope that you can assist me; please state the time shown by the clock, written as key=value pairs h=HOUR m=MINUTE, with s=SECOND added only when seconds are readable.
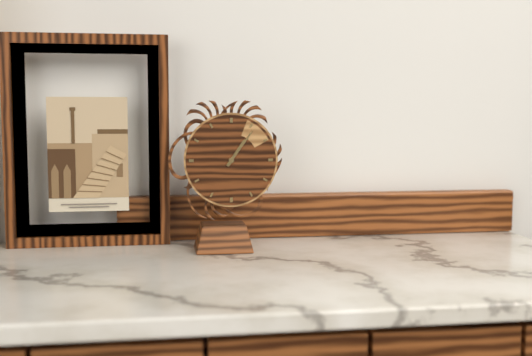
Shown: h=1 m=6
